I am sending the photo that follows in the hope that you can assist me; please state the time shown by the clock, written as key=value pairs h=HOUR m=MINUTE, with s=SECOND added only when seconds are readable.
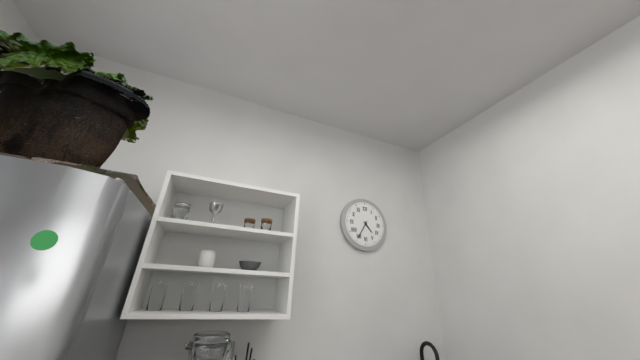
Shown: h=4 m=35
